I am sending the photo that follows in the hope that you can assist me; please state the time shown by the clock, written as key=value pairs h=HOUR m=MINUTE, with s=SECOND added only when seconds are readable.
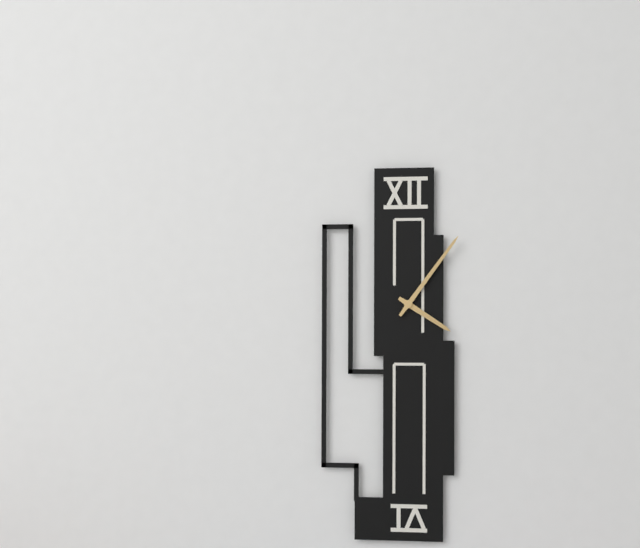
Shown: h=4 m=6
